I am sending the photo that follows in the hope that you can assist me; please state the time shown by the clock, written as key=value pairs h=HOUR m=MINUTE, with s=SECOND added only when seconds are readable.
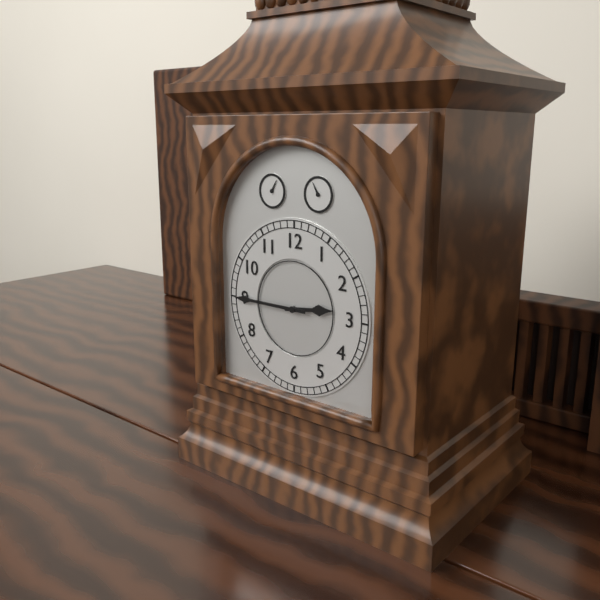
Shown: h=2 m=45
